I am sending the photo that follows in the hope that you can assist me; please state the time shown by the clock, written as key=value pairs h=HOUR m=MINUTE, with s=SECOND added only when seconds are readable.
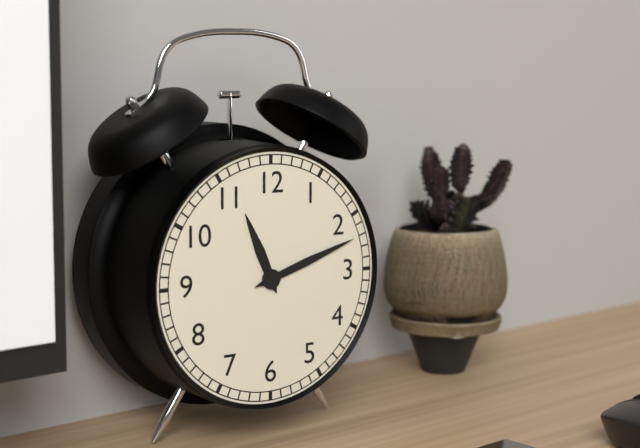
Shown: h=11 m=12
